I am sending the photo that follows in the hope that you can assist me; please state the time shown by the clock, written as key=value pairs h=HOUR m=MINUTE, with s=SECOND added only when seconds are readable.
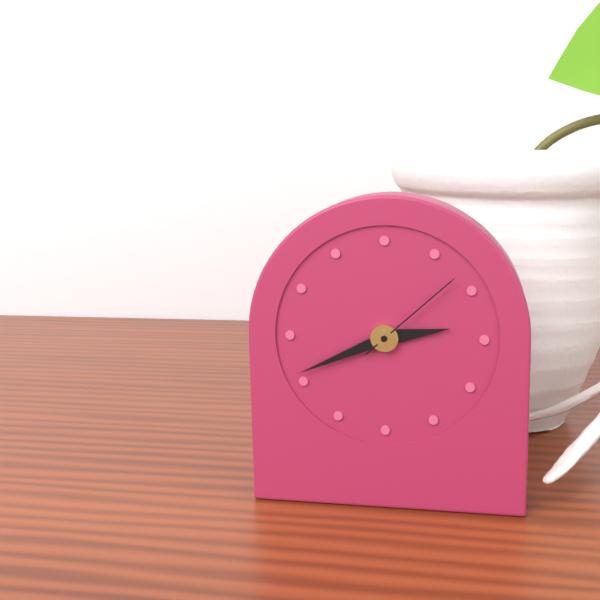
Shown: h=2 m=41 s=8
